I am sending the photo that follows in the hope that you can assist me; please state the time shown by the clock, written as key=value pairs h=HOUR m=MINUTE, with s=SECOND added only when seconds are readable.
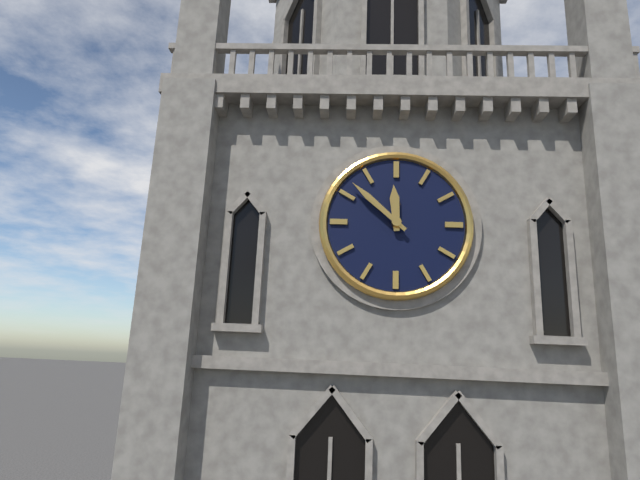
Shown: h=11 m=52
